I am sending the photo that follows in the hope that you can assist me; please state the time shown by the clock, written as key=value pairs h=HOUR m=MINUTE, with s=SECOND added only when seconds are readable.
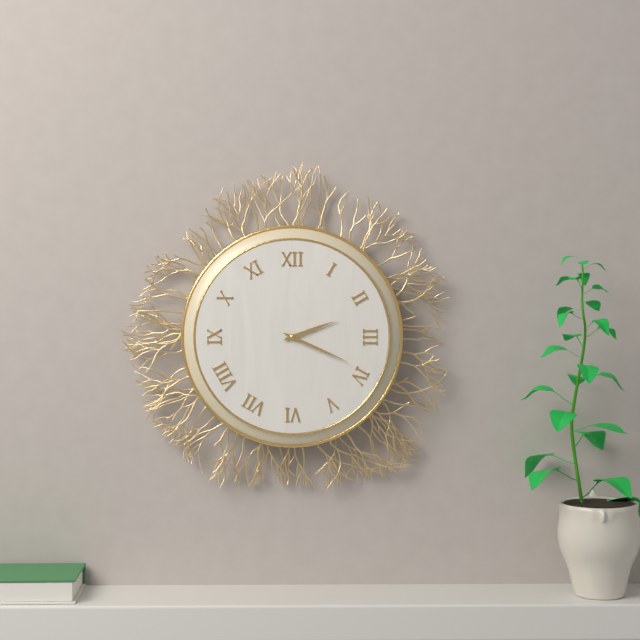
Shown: h=2 m=19
